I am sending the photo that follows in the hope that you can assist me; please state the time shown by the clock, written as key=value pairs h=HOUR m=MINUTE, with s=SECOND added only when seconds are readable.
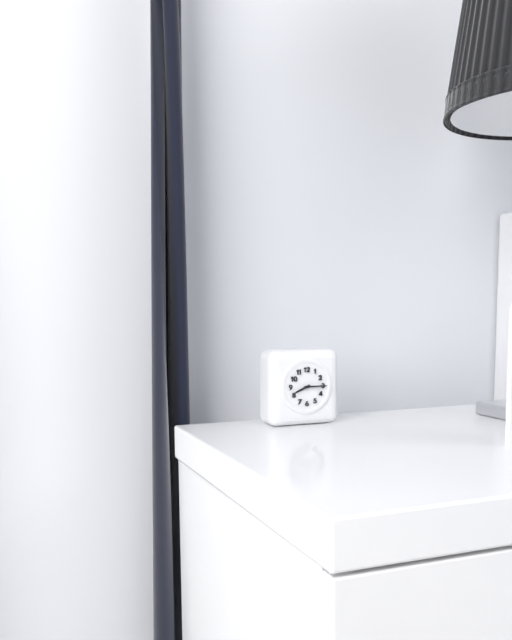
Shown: h=8 m=15
